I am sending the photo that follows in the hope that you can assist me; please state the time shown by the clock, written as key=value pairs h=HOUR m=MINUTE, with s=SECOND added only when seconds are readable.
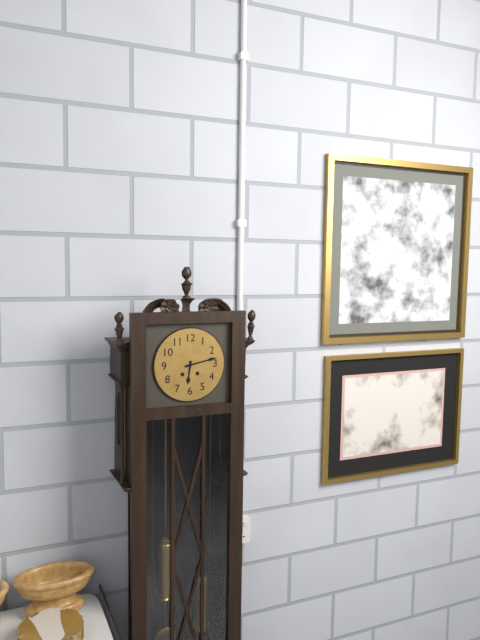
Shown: h=6 m=13
